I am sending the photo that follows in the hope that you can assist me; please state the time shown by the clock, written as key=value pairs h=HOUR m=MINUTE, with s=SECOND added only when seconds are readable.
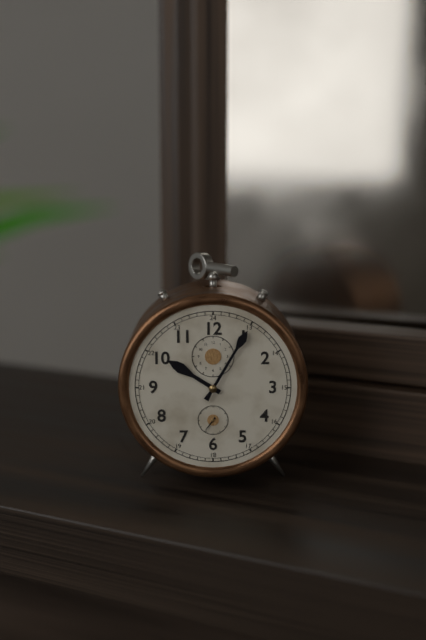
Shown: h=10 m=5
